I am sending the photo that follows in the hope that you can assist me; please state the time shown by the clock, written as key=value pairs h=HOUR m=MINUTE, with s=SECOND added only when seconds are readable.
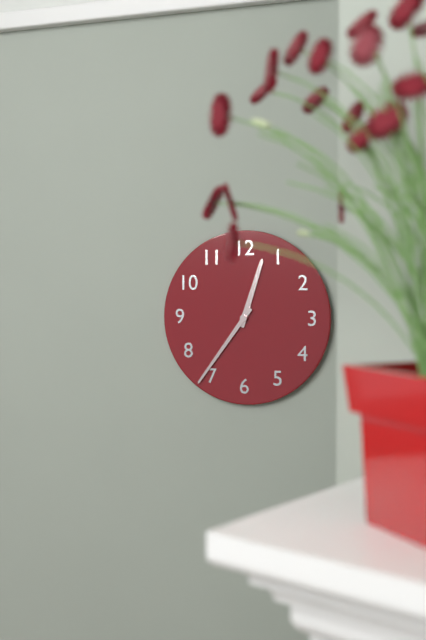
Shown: h=12 m=36
